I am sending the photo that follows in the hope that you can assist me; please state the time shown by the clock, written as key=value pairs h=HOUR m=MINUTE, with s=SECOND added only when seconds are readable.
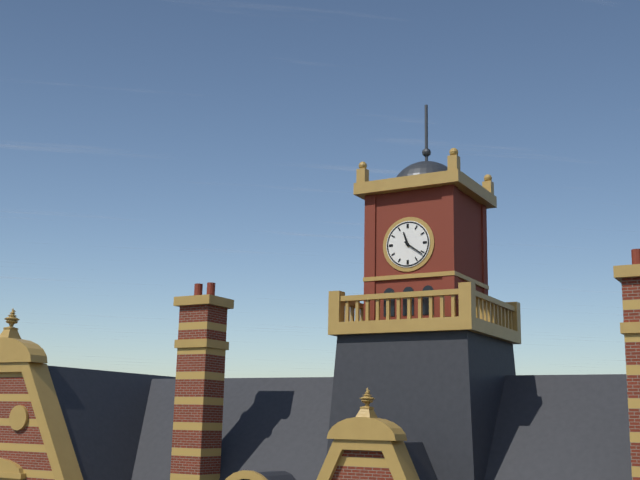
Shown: h=11 m=21
